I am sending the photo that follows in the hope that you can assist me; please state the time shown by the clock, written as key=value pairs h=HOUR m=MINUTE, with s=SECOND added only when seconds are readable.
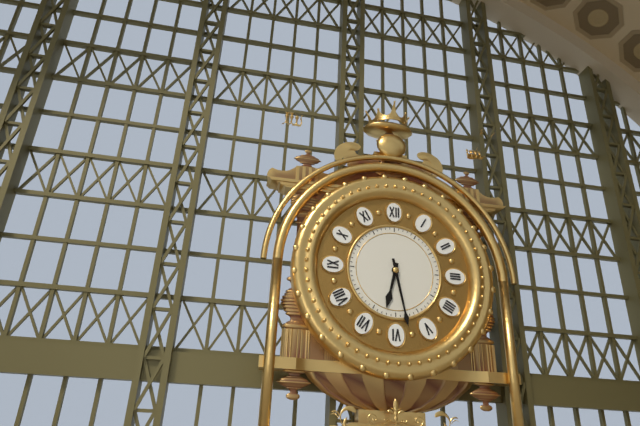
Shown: h=6 m=28
